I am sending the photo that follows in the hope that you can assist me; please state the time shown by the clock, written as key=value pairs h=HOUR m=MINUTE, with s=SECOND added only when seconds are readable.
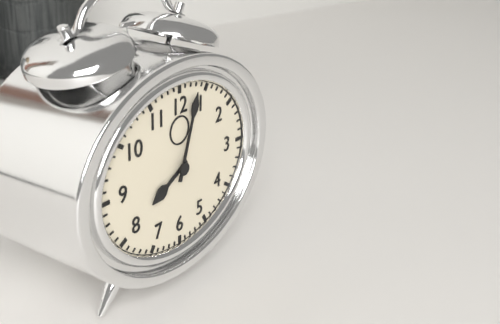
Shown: h=8 m=3
